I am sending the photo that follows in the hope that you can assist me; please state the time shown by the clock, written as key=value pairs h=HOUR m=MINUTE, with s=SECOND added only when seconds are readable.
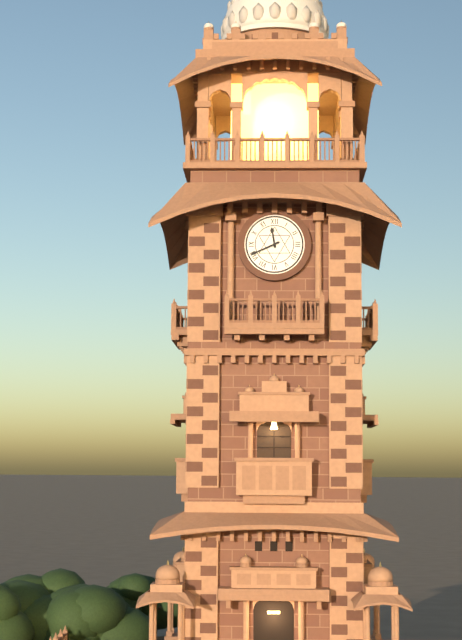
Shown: h=11 m=41
